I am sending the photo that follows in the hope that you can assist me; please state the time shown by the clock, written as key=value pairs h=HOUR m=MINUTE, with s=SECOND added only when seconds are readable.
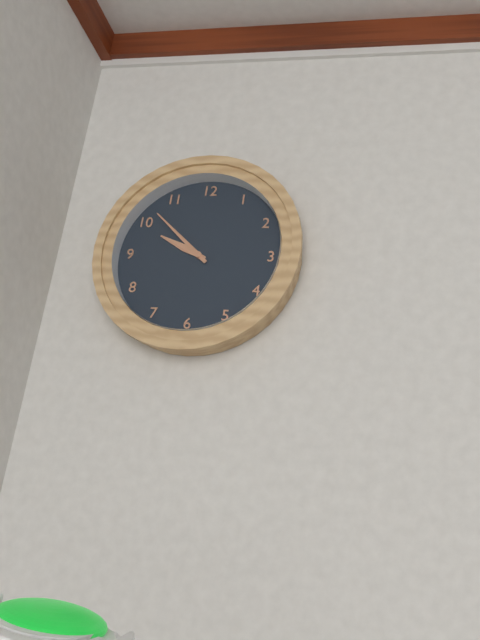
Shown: h=9 m=52
